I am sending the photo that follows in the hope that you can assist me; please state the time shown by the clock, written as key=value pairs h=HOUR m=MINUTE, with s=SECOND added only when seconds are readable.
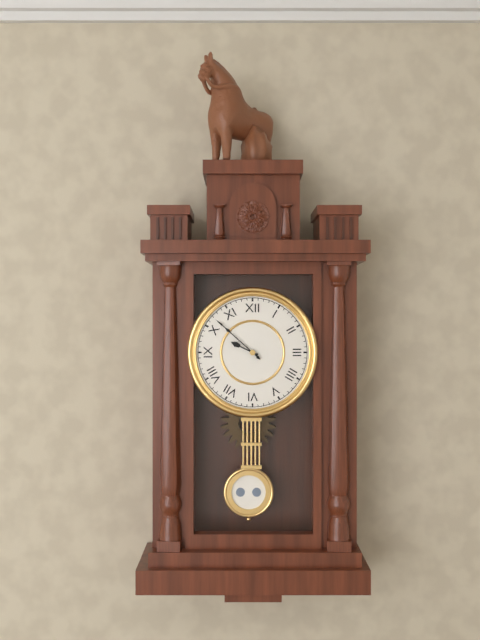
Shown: h=9 m=52
